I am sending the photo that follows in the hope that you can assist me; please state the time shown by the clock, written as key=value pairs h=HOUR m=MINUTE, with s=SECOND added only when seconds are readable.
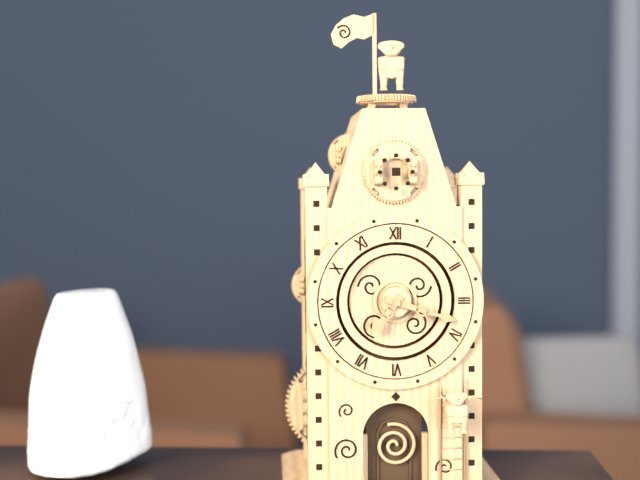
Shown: h=7 m=18
